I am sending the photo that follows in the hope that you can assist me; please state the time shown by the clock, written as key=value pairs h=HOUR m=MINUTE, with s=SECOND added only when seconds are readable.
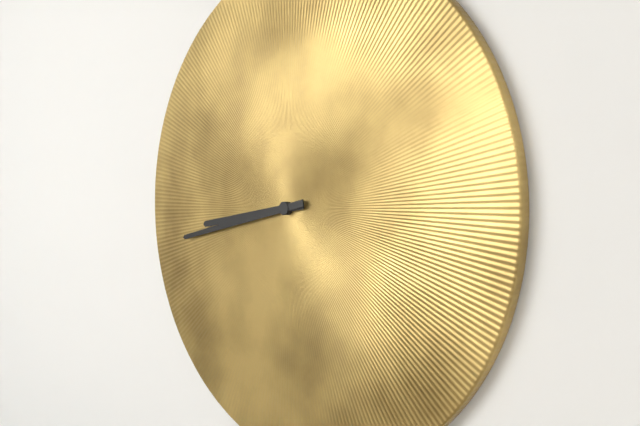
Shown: h=8 m=43
